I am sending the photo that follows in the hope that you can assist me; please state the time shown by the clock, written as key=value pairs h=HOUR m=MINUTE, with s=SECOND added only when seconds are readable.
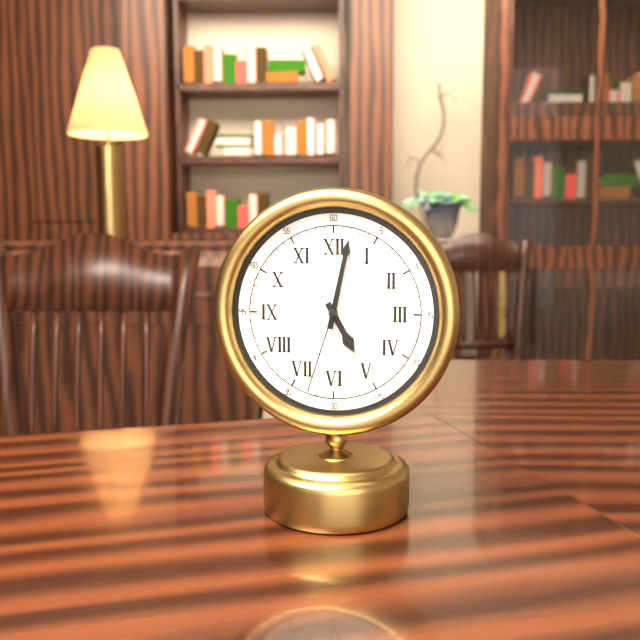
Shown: h=5 m=2 s=33
